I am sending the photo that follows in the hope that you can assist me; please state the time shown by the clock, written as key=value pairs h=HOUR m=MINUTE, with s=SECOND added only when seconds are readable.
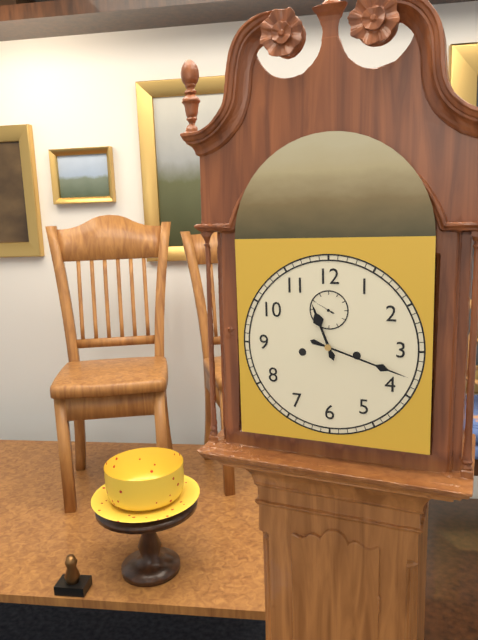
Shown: h=11 m=18
